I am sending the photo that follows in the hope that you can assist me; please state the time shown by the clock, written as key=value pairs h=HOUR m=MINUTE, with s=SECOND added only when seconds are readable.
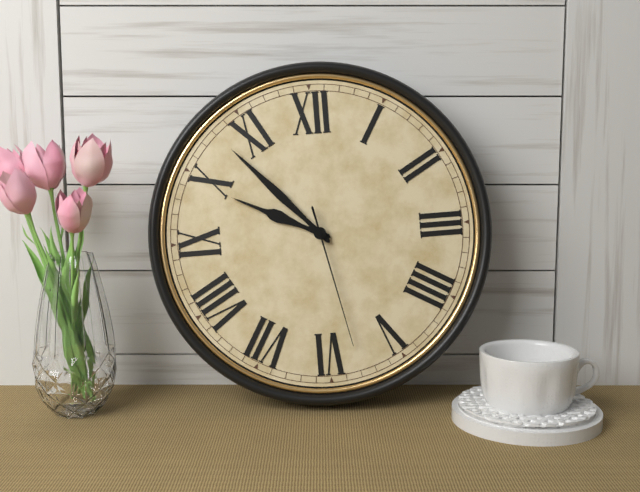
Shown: h=9 m=53 s=28
